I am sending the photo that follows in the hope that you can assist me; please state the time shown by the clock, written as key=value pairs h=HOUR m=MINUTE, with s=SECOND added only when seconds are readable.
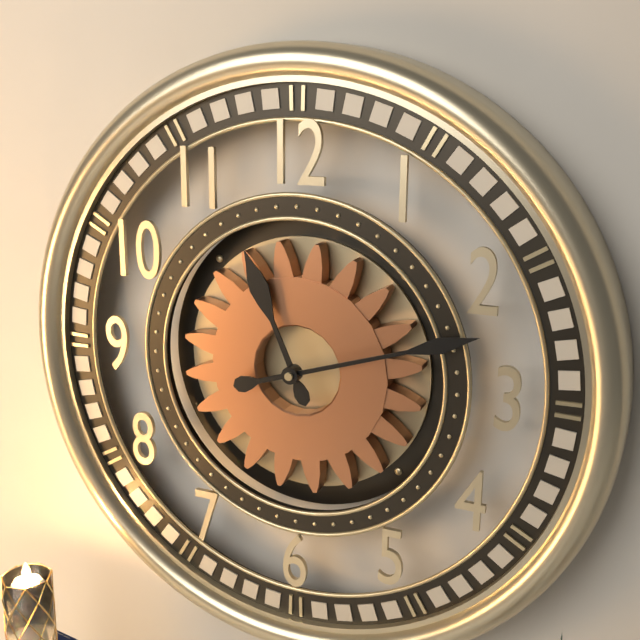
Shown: h=11 m=12
